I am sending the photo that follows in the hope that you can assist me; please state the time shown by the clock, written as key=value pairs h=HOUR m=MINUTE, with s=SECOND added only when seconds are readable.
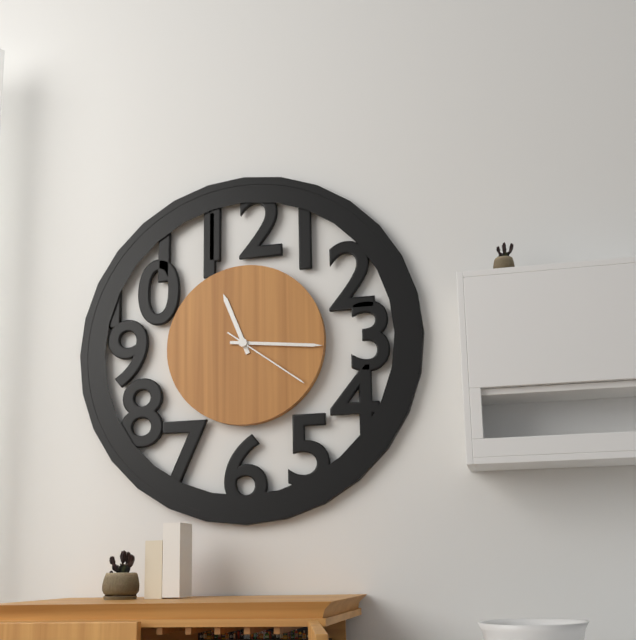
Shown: h=11 m=16 s=21
